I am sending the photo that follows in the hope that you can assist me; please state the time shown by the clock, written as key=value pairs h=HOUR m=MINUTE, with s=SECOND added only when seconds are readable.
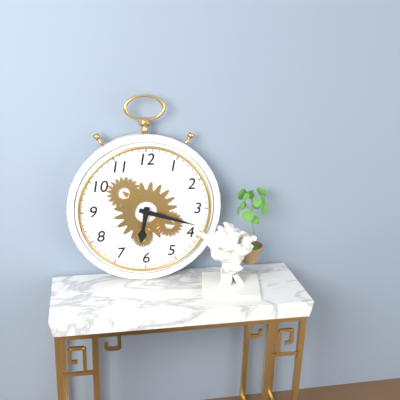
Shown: h=6 m=18
